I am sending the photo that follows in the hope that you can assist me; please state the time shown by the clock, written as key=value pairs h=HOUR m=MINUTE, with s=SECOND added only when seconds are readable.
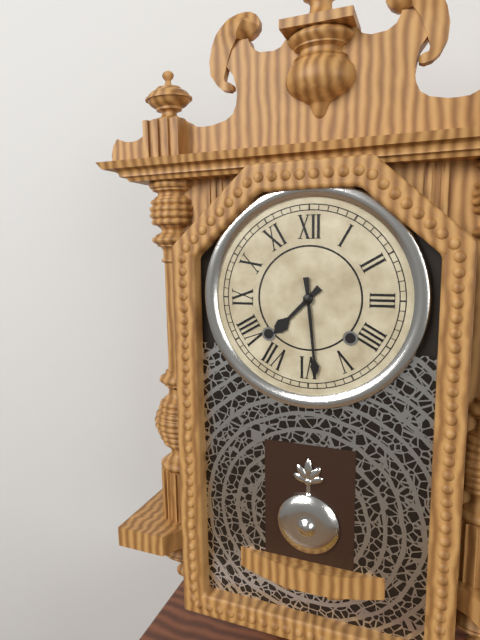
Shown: h=7 m=29
